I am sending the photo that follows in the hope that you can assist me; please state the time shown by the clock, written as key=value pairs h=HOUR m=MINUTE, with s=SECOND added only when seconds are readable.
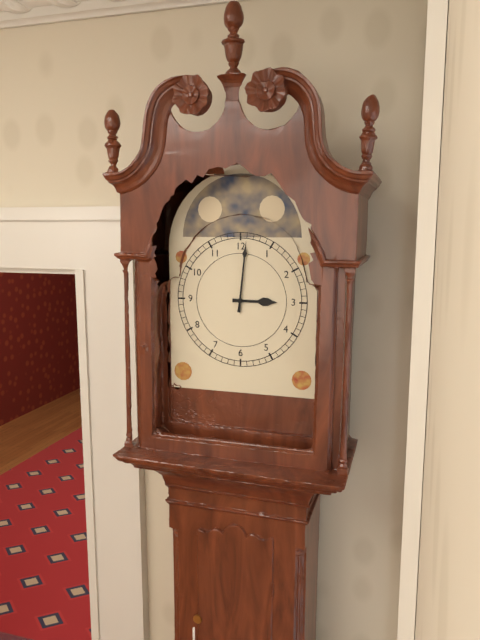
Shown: h=3 m=1
